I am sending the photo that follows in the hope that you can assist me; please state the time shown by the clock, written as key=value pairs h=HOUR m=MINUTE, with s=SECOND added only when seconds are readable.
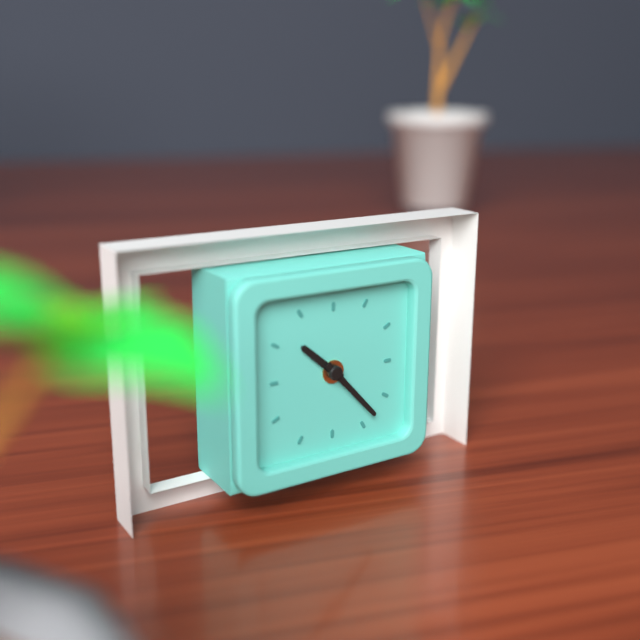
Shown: h=10 m=23
